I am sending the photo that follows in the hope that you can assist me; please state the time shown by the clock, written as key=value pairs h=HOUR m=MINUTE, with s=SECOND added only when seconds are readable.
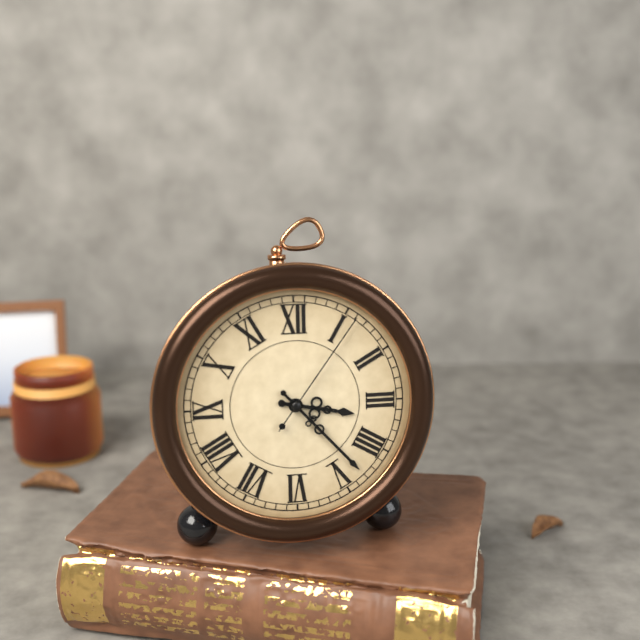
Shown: h=3 m=23 s=6
